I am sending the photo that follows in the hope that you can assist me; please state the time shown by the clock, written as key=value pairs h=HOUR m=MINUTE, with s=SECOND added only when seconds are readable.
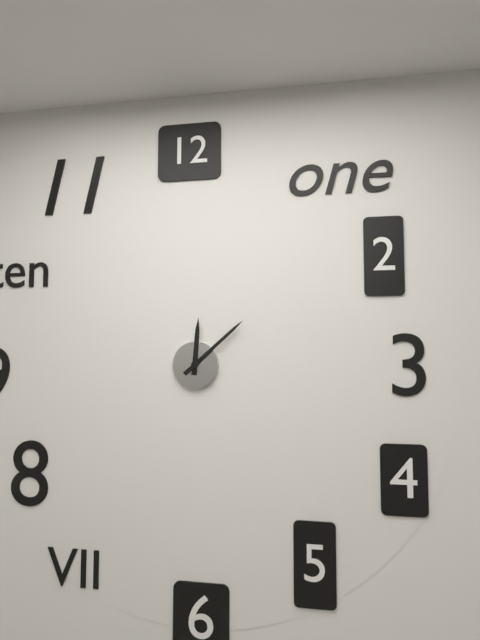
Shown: h=12 m=8
